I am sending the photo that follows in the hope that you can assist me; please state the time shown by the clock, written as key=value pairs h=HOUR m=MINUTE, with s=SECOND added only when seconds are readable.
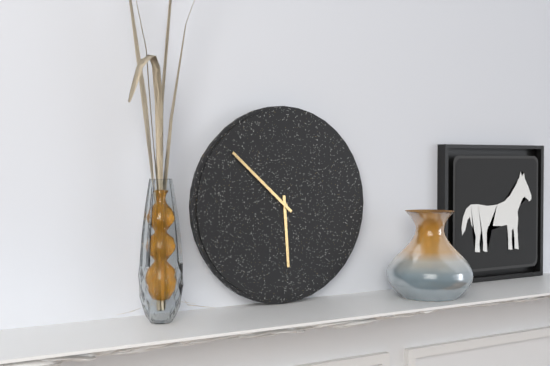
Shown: h=5 m=52
